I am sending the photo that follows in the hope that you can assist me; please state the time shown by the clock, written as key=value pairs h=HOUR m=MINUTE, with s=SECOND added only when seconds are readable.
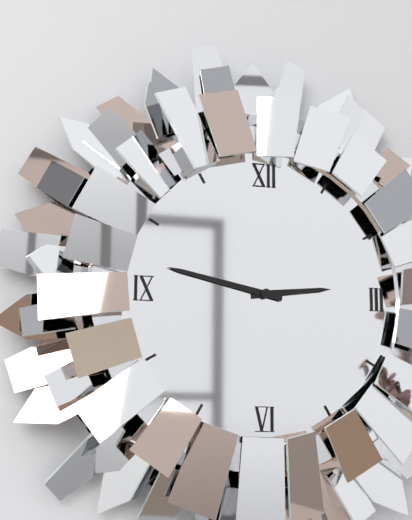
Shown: h=2 m=47
